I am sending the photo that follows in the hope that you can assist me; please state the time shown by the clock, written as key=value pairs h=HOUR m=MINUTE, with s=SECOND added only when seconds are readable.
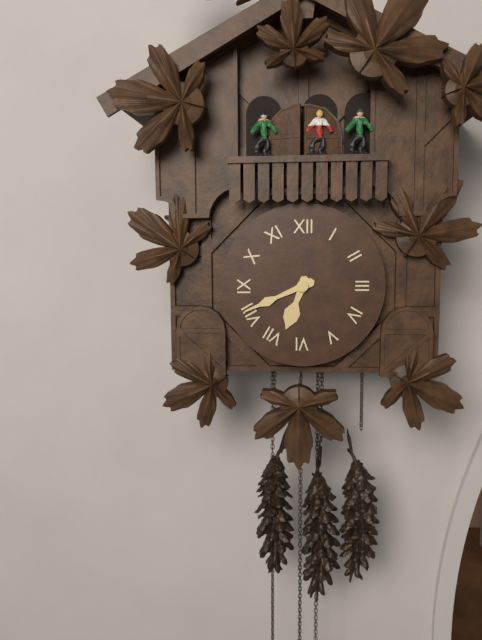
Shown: h=6 m=41
